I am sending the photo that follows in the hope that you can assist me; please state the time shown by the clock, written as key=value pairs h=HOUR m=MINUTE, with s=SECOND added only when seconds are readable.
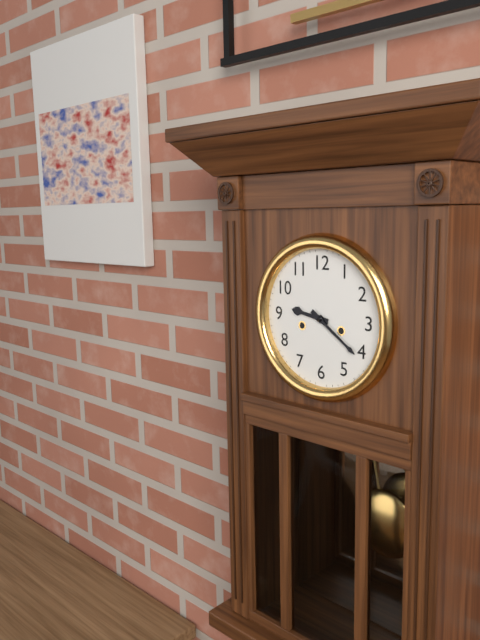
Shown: h=9 m=21
